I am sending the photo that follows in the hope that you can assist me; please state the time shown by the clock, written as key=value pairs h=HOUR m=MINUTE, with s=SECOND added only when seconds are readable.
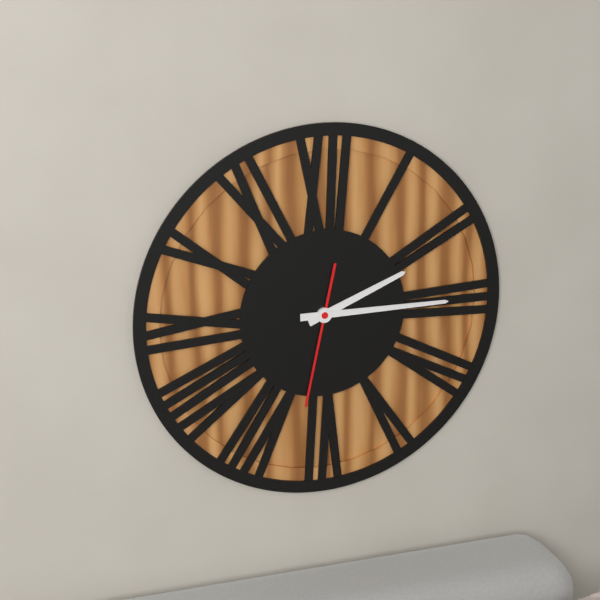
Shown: h=2 m=15 s=32
